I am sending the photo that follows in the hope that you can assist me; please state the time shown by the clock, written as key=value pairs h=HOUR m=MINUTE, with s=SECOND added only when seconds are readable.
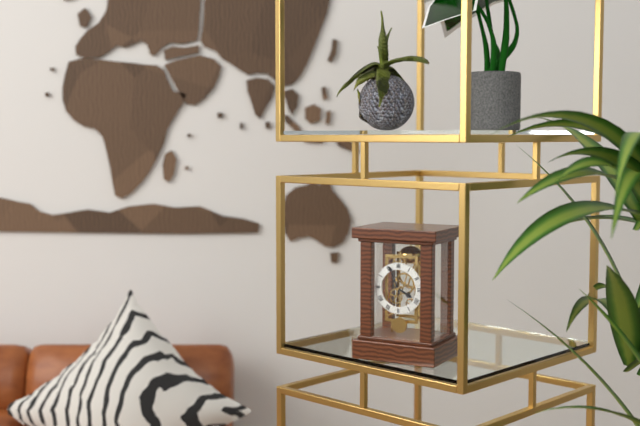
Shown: h=3 m=56
